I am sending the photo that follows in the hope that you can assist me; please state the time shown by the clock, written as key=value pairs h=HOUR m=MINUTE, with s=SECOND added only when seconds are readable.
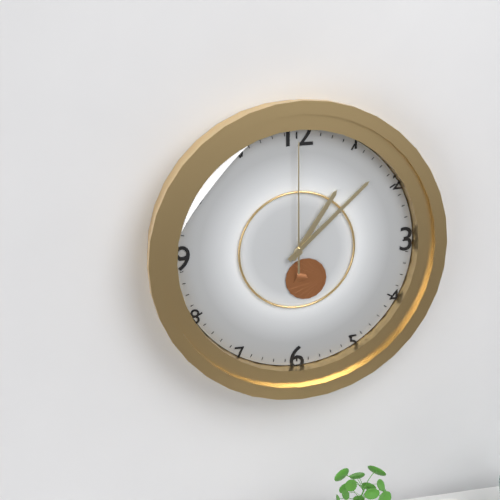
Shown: h=1 m=8 s=0
